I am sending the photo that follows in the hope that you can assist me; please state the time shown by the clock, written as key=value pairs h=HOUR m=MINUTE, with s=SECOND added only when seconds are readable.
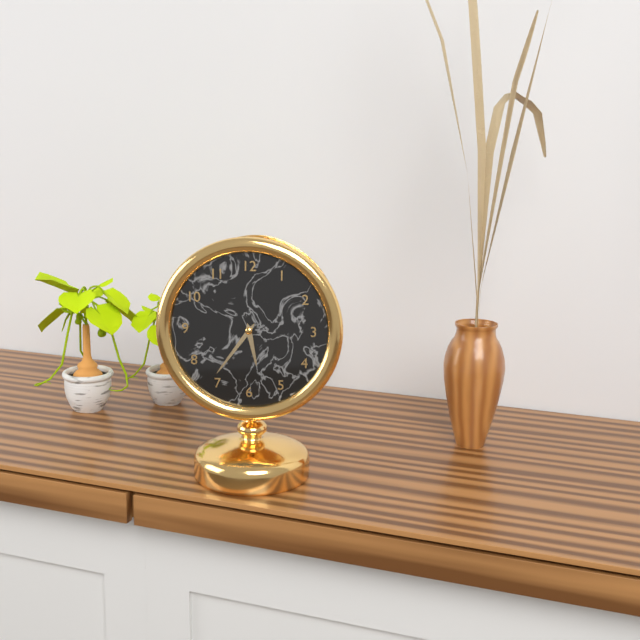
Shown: h=5 m=36
